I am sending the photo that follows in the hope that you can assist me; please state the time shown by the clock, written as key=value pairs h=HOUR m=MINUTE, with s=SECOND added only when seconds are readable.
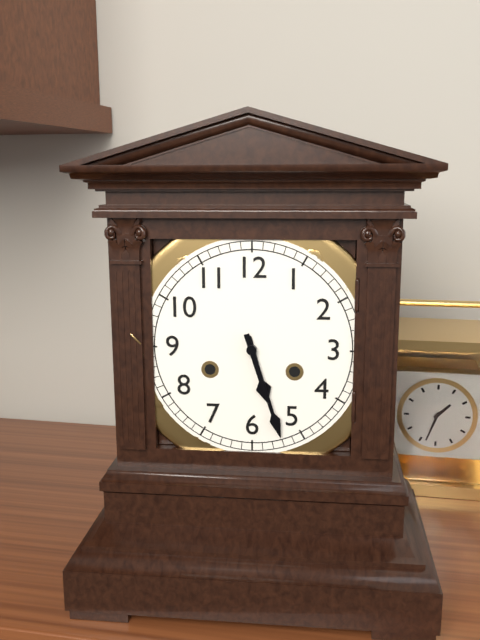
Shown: h=5 m=27
